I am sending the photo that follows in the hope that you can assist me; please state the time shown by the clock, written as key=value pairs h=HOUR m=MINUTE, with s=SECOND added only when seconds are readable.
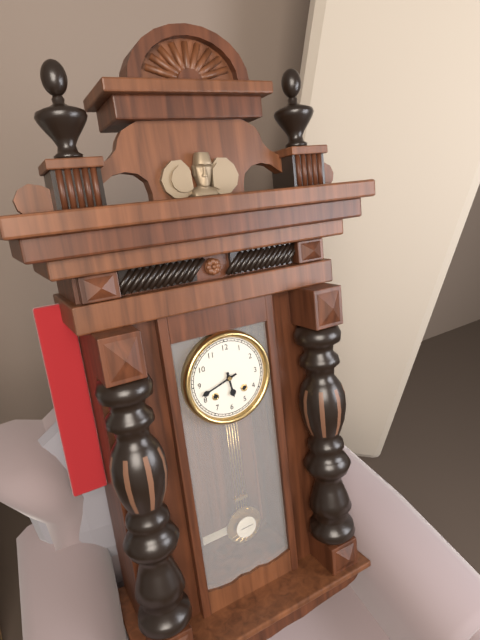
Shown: h=5 m=42
